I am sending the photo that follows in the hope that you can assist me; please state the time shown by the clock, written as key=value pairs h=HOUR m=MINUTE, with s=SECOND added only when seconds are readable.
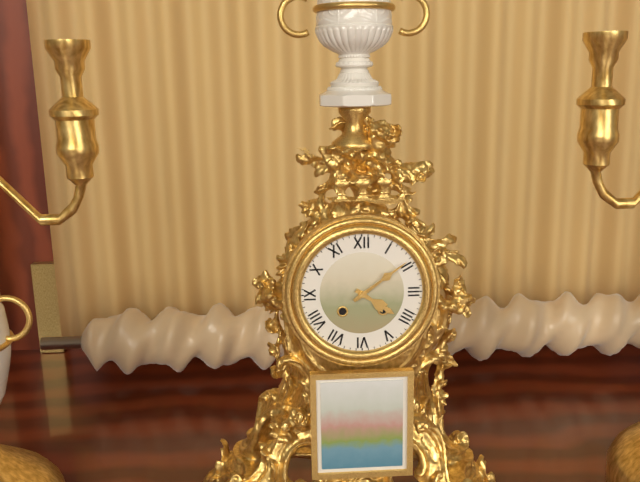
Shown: h=4 m=9
